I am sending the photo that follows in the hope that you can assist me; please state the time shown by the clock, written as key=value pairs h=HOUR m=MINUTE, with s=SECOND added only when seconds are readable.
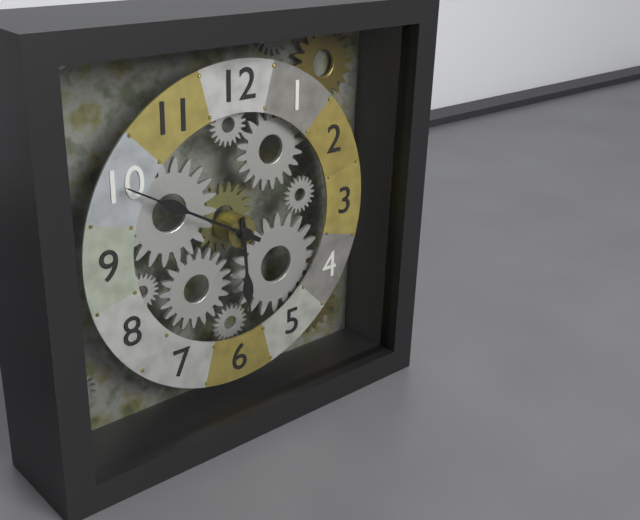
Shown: h=5 m=50
